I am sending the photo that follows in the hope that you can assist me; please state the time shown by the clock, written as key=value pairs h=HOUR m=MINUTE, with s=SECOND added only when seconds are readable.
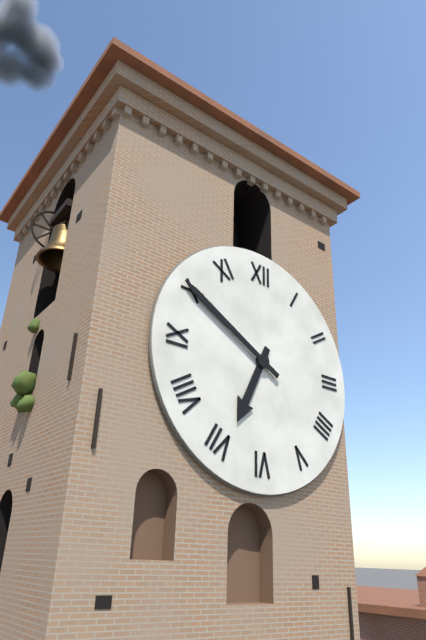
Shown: h=6 m=50
